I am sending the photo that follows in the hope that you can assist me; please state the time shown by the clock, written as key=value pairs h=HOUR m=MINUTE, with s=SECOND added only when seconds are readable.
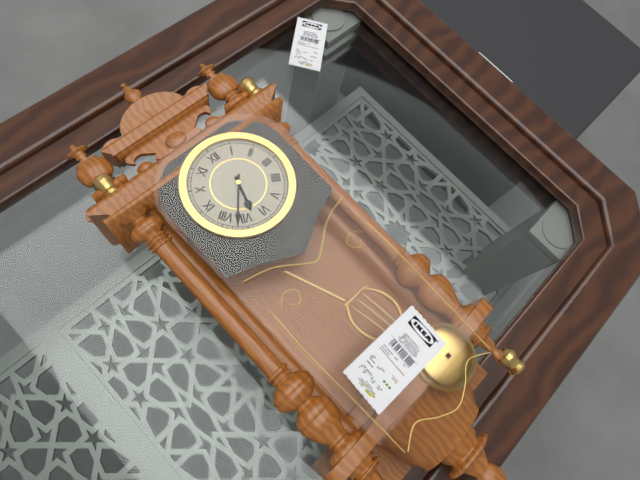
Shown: h=6 m=37
